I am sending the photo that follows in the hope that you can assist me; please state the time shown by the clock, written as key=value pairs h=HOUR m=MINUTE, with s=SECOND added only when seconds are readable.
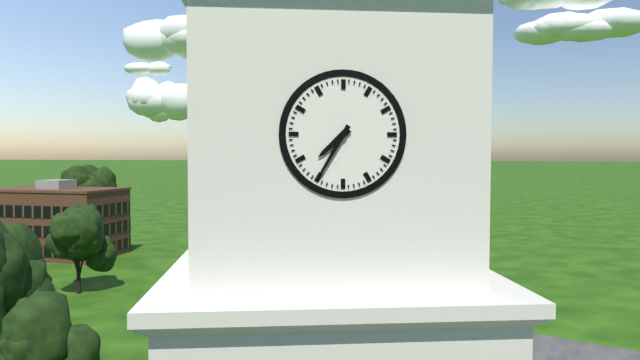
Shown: h=7 m=35
